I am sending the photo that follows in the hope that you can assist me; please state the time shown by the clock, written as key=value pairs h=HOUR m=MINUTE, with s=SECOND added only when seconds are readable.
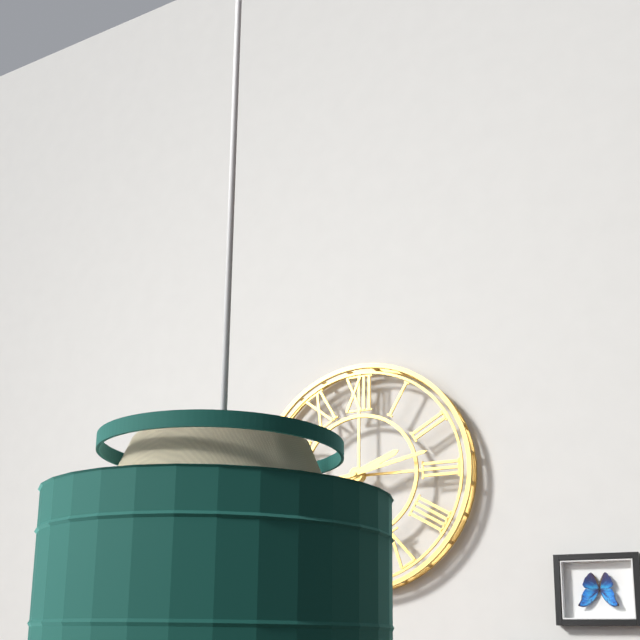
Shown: h=2 m=13
